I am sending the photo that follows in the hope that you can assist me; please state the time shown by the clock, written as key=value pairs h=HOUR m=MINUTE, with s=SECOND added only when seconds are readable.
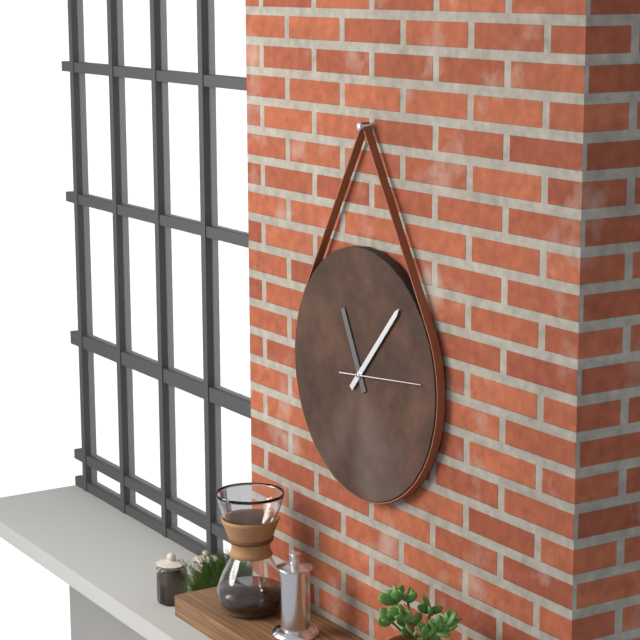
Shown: h=11 m=7 s=14
